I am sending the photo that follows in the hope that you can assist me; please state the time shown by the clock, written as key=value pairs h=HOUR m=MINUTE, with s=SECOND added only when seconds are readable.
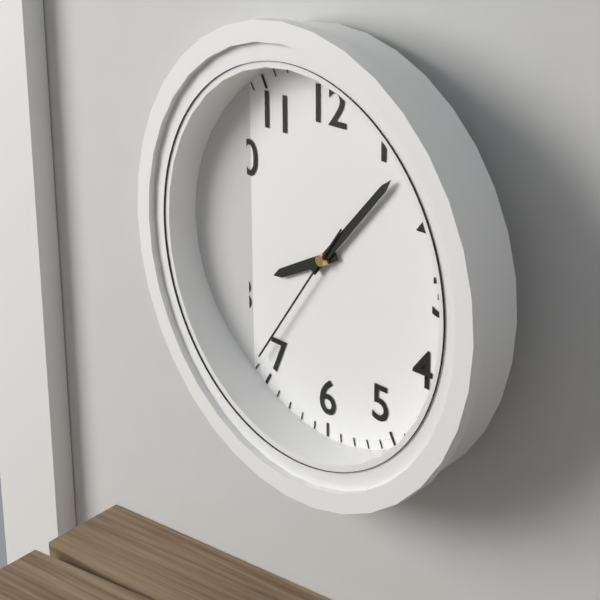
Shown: h=8 m=7 s=36
